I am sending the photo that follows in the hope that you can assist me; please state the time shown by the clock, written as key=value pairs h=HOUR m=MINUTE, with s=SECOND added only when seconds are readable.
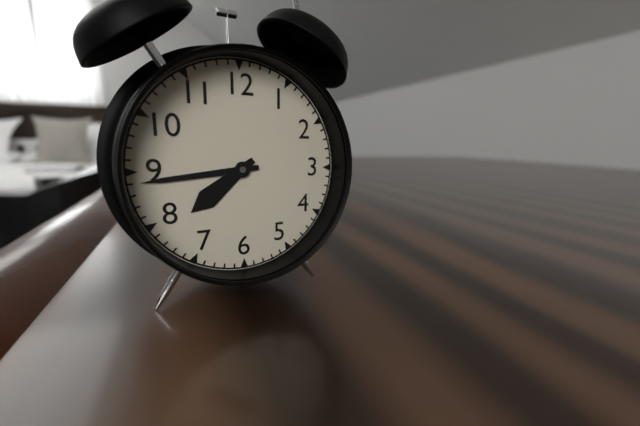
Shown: h=7 m=44
